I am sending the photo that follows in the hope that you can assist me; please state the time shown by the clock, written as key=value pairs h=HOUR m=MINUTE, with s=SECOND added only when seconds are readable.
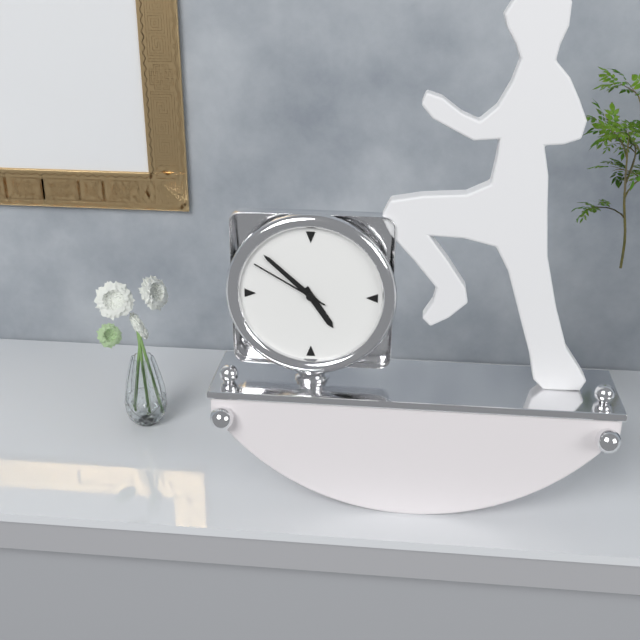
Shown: h=4 m=52 s=50
